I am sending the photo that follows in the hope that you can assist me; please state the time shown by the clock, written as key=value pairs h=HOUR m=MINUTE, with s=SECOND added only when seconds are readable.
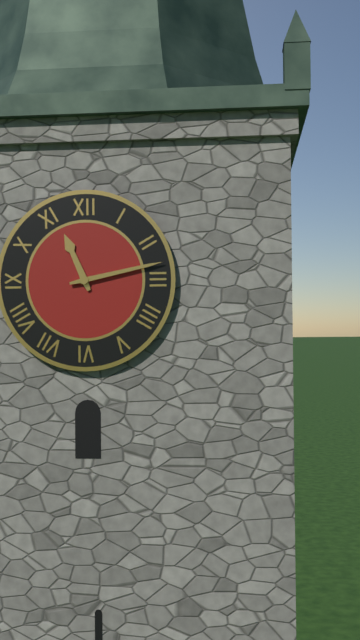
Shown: h=11 m=13
